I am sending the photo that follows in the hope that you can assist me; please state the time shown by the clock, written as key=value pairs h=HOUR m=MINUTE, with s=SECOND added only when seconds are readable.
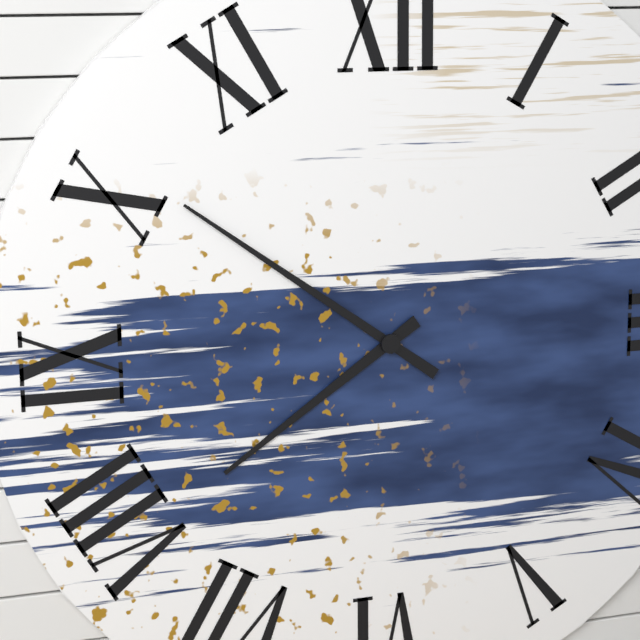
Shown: h=7 m=51
